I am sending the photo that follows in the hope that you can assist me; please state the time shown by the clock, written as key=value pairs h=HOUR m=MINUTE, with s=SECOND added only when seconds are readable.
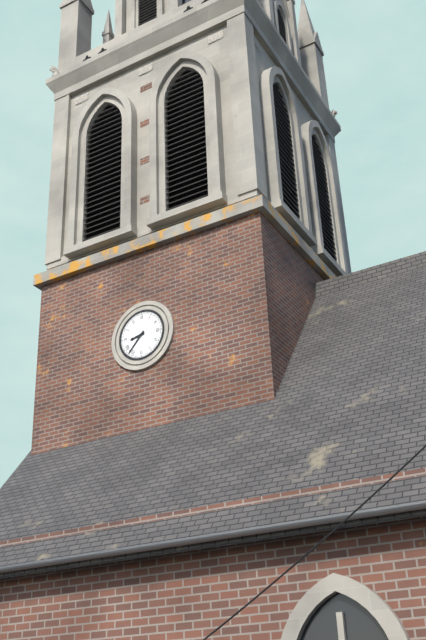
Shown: h=8 m=37
